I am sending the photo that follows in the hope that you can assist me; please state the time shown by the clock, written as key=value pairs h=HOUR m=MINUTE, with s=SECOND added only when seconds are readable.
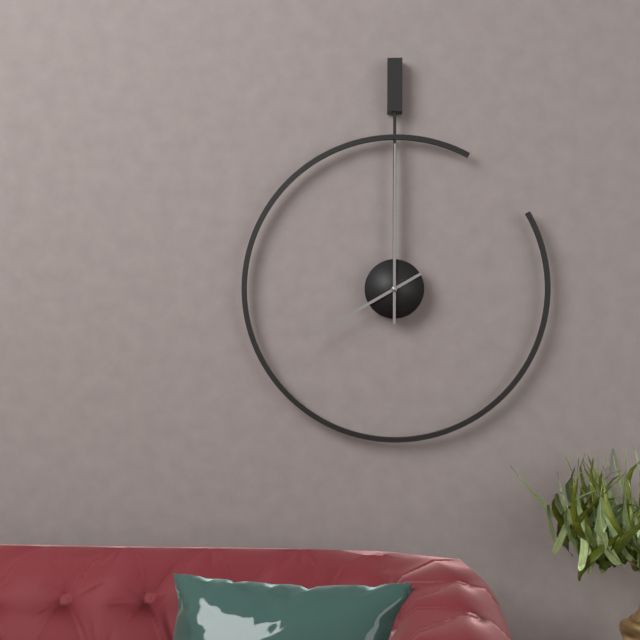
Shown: h=8 m=0
